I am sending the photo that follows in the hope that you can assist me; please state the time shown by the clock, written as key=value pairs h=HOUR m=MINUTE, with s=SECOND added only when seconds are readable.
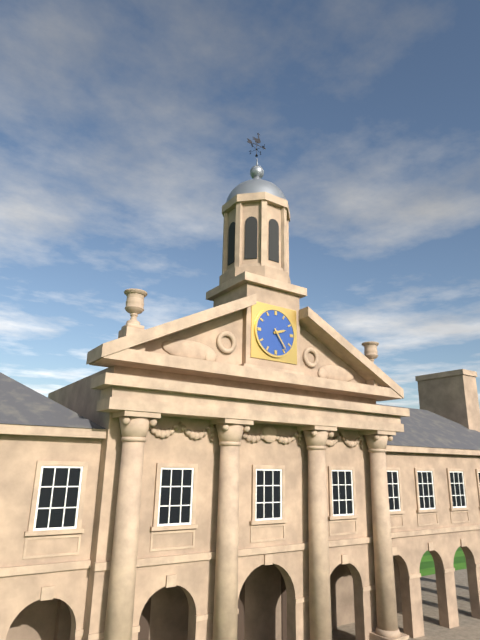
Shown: h=2 m=24
